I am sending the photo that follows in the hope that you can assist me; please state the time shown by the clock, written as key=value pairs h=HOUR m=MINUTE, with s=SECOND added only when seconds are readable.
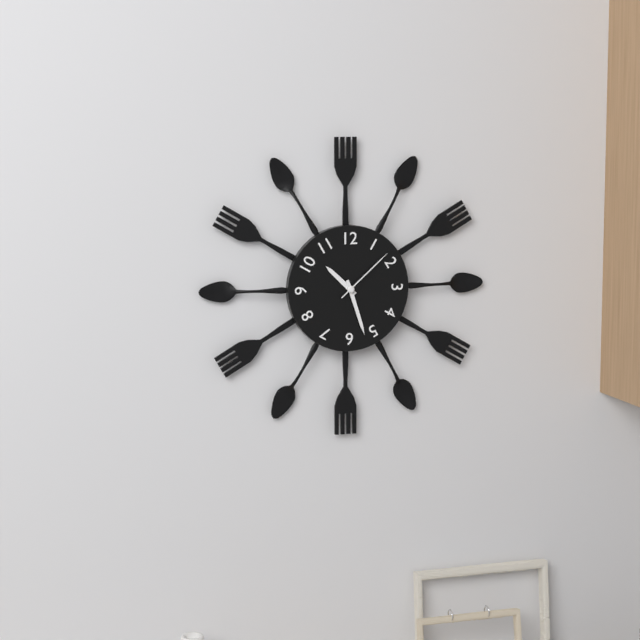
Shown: h=10 m=27 s=8
